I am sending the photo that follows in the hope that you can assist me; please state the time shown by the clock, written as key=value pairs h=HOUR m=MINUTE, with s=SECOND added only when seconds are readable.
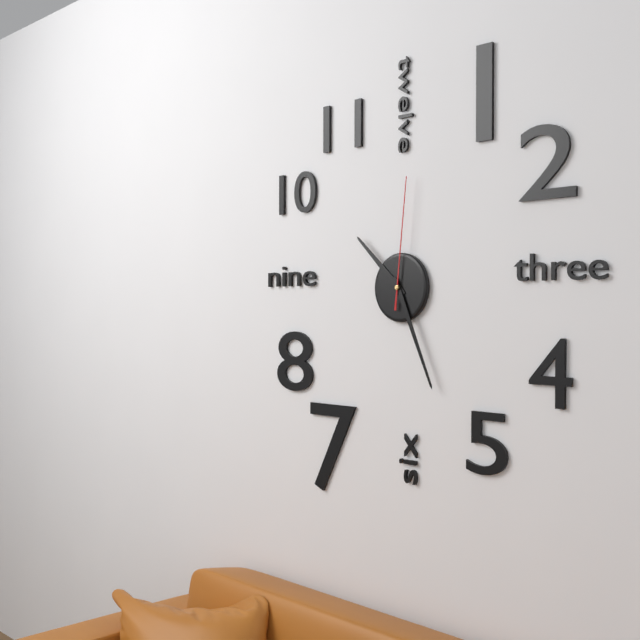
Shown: h=10 m=26 s=1
